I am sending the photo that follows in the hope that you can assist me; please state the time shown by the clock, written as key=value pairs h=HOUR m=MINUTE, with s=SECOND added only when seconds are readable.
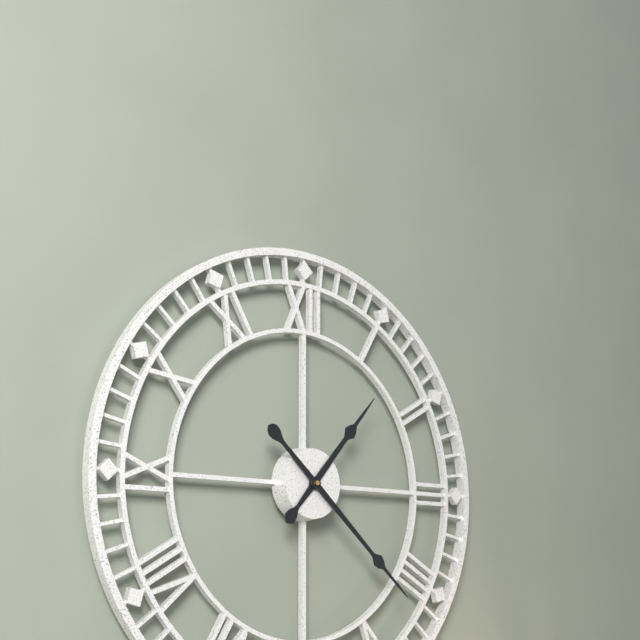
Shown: h=1 m=22
